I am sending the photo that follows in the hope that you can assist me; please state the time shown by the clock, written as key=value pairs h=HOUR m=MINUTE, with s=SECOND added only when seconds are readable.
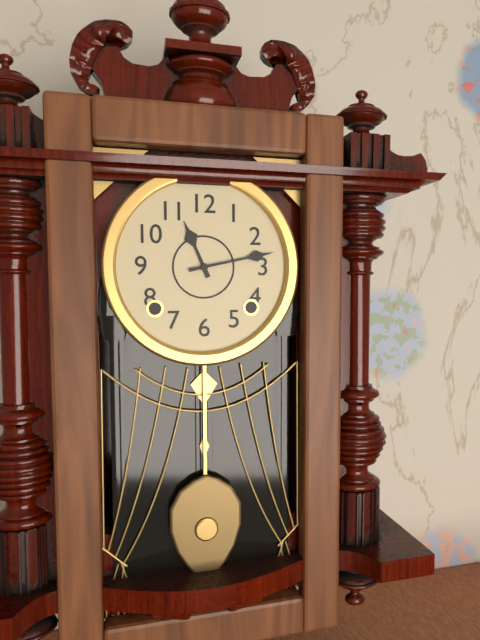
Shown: h=11 m=13
